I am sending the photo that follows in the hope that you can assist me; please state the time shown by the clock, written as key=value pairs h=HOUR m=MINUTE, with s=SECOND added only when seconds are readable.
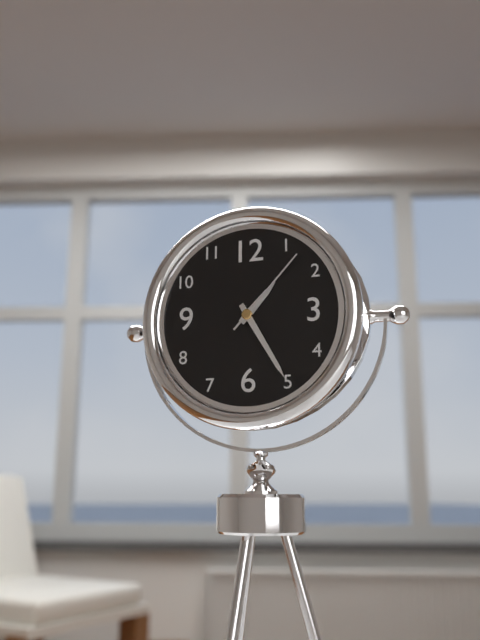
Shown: h=1 m=25 s=7
